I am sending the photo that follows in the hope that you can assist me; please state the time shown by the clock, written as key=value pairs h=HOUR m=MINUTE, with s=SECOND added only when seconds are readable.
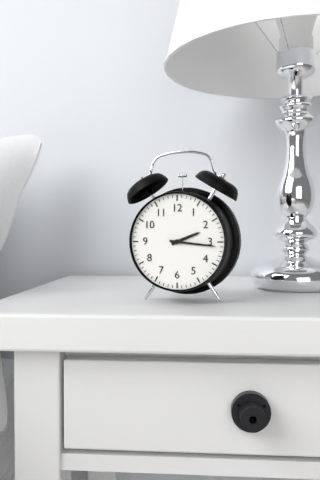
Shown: h=2 m=16
